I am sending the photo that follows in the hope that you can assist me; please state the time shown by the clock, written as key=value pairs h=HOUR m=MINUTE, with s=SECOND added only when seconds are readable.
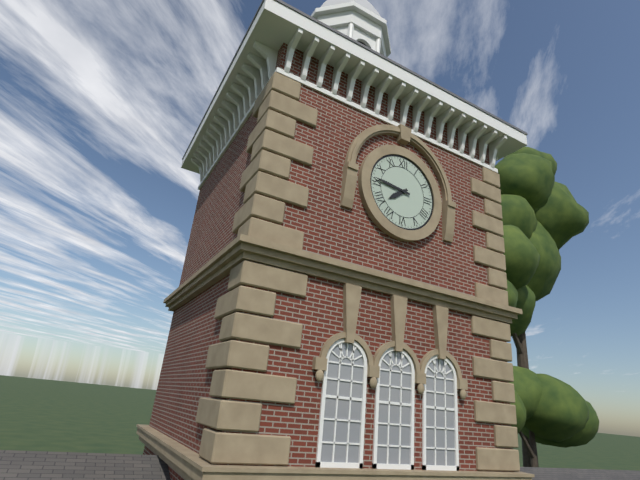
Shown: h=7 m=46
